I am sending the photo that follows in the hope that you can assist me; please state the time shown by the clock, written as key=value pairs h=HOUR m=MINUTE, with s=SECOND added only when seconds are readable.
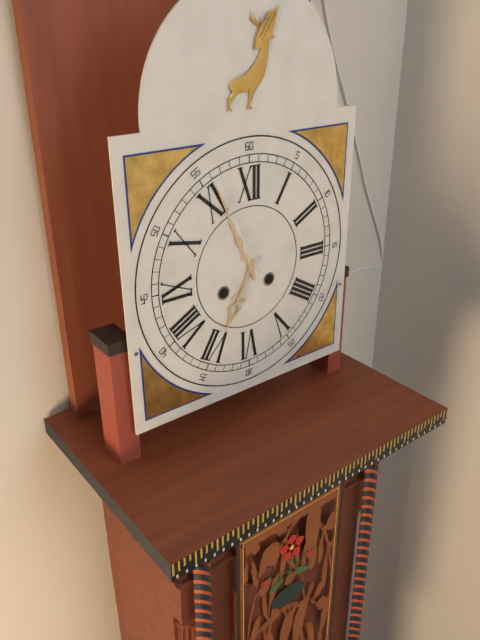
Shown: h=6 m=56
